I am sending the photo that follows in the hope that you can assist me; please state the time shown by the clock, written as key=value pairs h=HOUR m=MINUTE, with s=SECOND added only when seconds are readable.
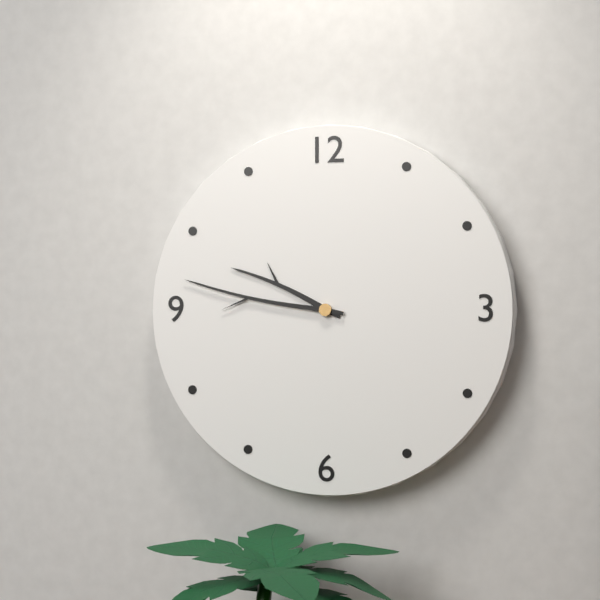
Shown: h=9 m=47
